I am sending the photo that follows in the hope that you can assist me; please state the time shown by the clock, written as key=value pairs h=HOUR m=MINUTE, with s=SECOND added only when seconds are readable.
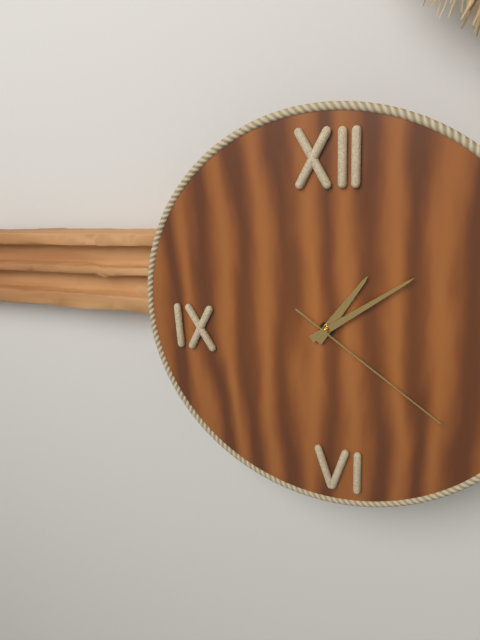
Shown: h=1 m=9 s=21
